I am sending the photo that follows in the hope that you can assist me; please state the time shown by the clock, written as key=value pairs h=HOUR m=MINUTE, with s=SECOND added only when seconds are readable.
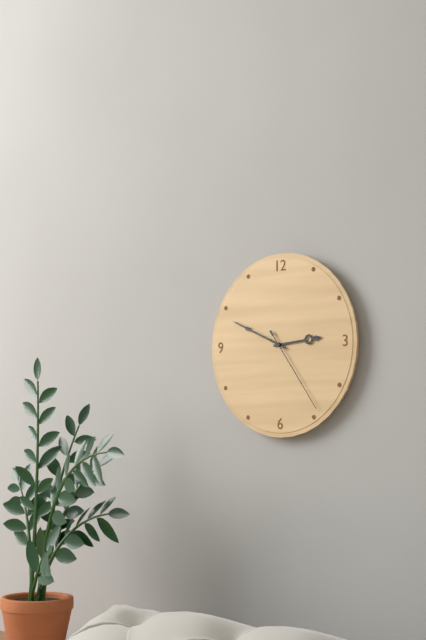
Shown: h=2 m=49 s=24
